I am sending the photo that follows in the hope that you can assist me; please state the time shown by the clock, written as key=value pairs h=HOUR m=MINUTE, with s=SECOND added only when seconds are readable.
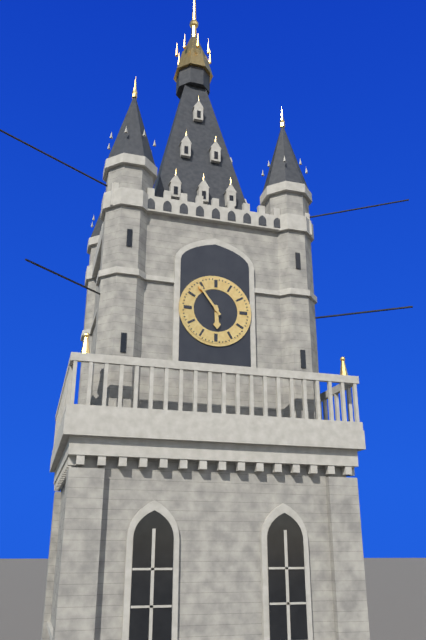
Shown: h=5 m=54
